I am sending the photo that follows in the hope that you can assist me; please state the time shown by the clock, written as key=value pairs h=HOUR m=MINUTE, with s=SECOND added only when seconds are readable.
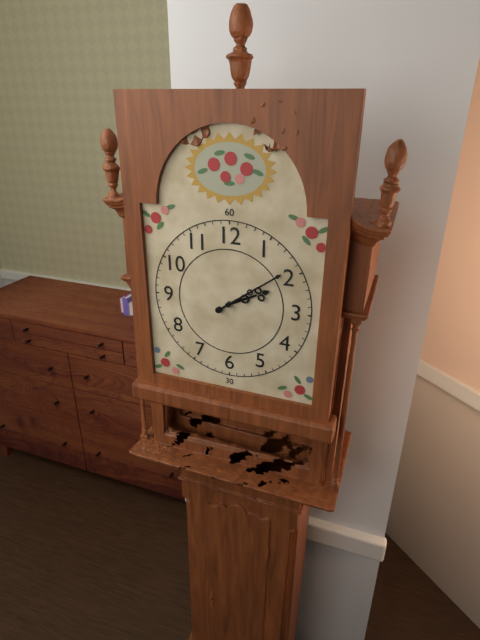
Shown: h=2 m=9
